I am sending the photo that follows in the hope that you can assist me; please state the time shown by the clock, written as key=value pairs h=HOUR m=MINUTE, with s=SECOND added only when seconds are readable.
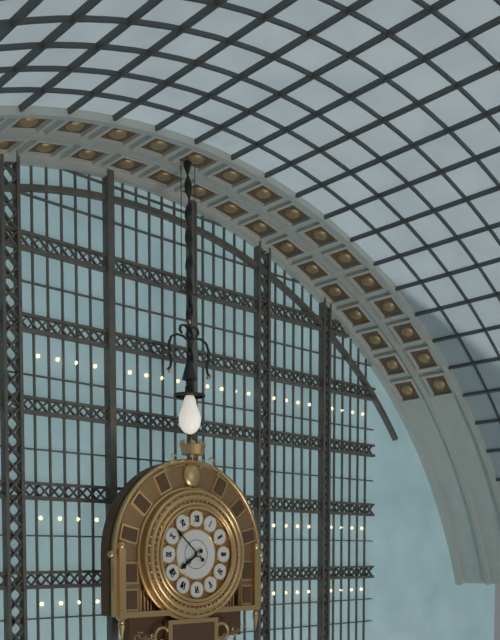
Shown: h=7 m=52
